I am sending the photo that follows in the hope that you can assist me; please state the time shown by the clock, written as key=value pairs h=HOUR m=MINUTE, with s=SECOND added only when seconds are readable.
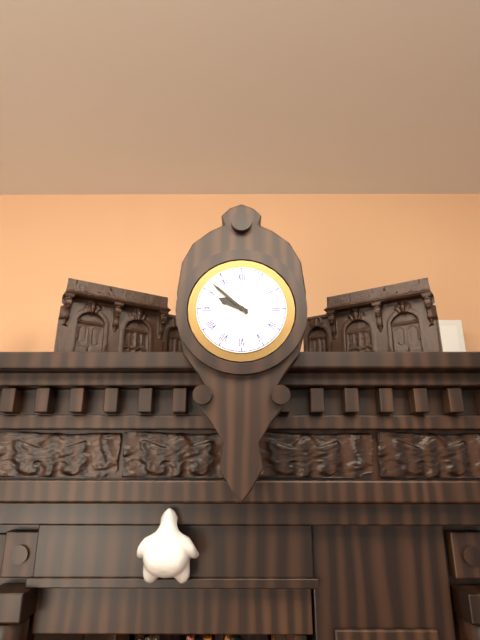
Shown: h=9 m=52
